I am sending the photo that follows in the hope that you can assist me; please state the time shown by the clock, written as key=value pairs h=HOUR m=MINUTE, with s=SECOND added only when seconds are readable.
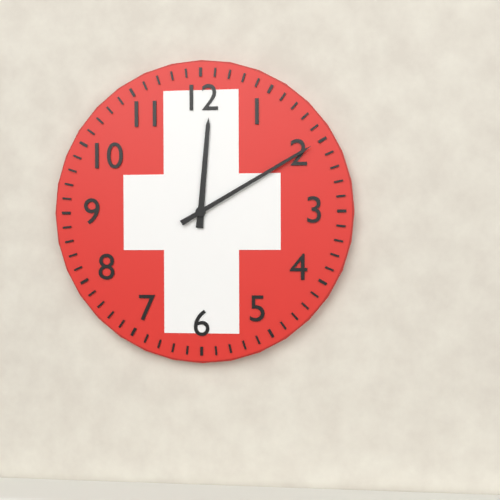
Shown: h=12 m=10
